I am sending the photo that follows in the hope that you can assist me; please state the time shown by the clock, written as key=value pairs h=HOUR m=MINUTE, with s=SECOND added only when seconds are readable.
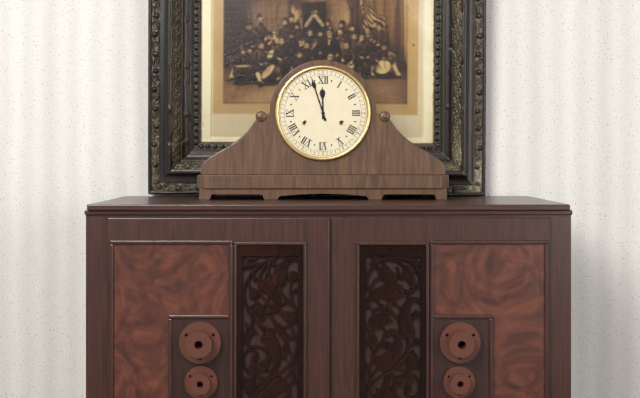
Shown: h=11 m=57
